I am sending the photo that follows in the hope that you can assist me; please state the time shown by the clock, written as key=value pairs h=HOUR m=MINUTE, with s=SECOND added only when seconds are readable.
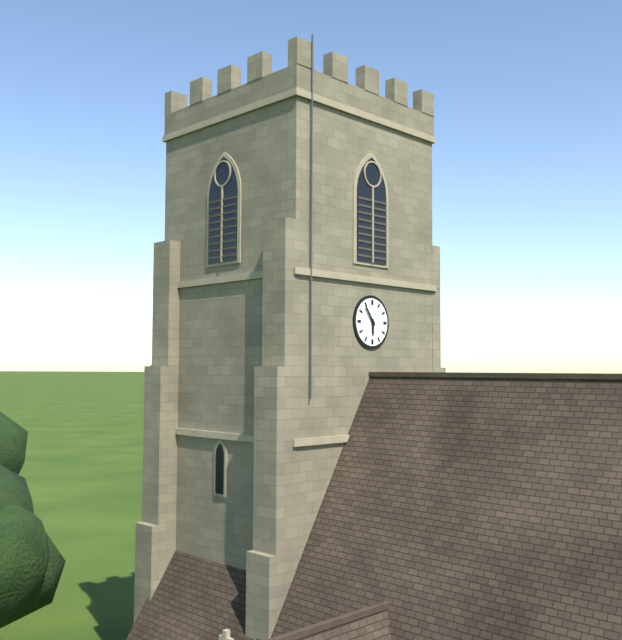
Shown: h=5 m=54
